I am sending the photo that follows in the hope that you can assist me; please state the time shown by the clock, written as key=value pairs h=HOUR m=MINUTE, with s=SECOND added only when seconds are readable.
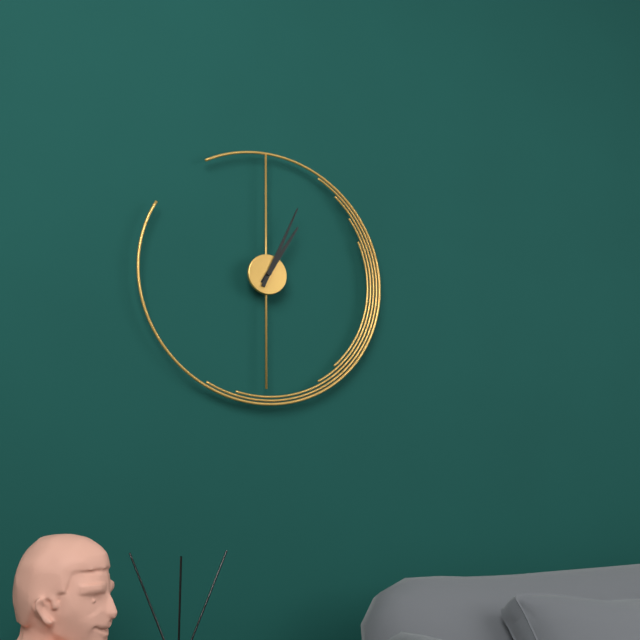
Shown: h=1 m=4
